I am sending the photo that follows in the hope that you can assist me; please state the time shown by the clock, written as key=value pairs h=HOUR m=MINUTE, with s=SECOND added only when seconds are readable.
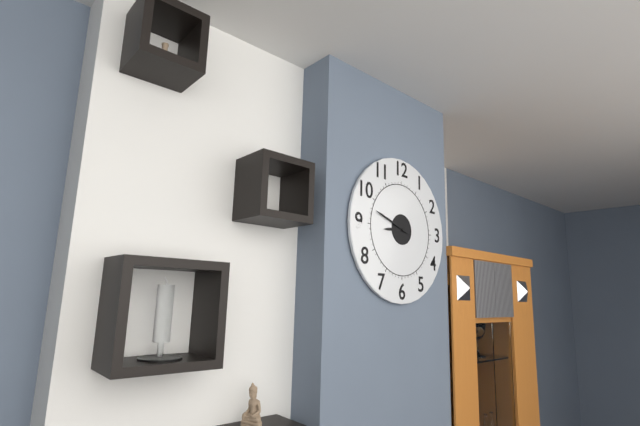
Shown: h=8 m=48
